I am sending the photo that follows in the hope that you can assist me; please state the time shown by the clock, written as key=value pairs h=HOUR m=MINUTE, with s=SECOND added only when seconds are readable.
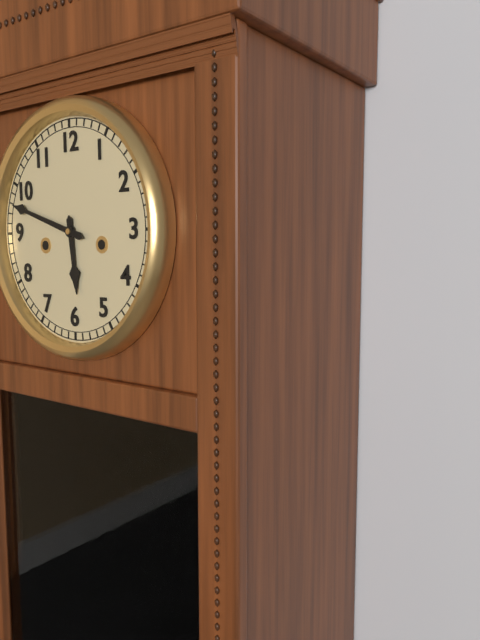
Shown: h=5 m=48
